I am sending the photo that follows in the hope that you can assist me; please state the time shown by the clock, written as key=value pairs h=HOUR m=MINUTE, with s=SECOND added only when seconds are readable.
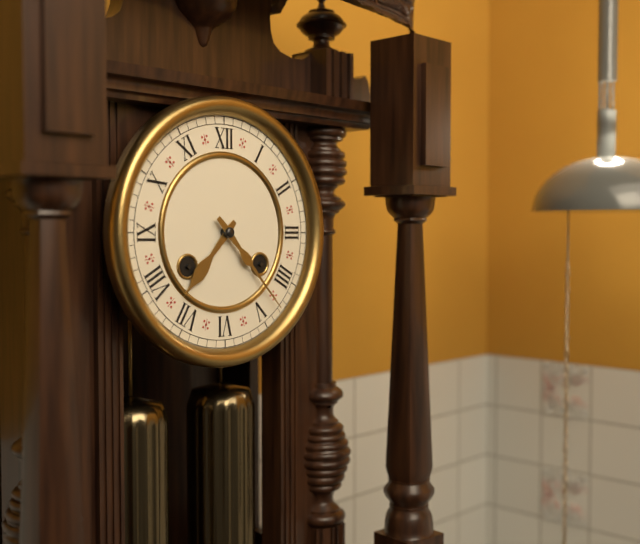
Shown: h=7 m=23
